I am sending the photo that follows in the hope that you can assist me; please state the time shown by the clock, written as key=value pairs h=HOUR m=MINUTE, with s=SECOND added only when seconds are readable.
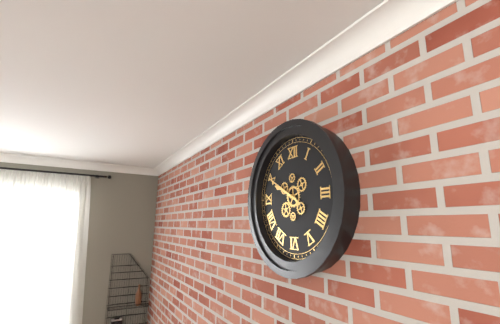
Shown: h=9 m=50
